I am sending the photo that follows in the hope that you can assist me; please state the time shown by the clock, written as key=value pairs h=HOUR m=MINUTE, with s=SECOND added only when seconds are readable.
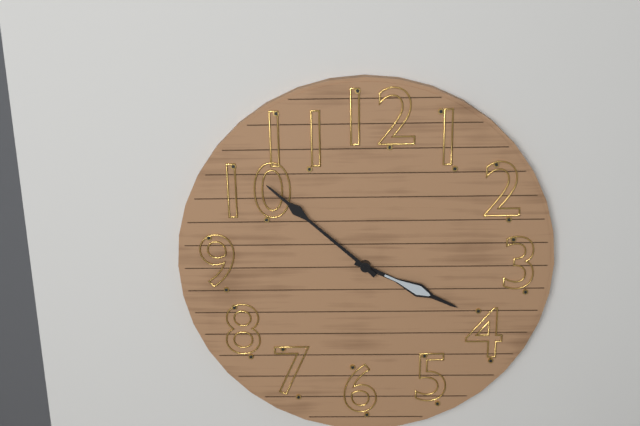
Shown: h=3 m=52
